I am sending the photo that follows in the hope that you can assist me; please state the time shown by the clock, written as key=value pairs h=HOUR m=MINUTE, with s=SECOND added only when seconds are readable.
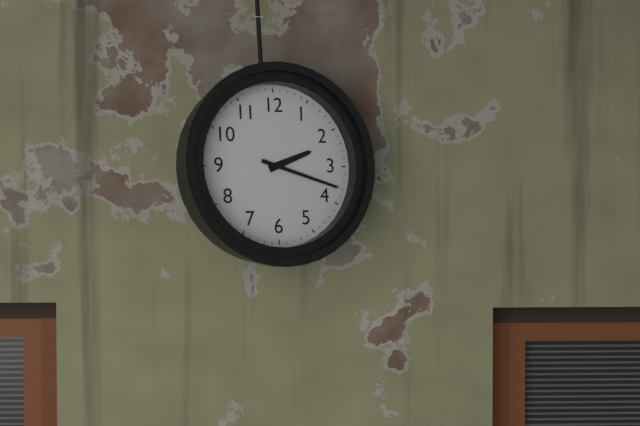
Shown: h=2 m=18
